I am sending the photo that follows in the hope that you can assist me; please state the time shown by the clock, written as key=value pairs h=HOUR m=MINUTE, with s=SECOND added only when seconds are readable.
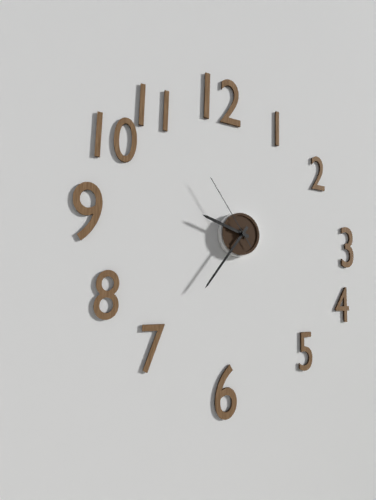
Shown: h=9 m=36 s=54
